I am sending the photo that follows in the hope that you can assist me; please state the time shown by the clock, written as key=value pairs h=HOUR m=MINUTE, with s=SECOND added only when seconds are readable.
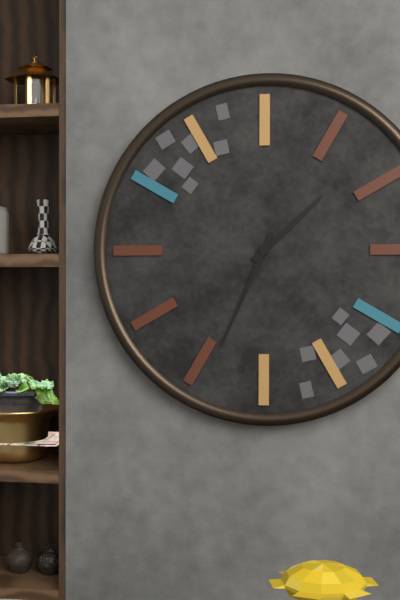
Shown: h=1 m=34
